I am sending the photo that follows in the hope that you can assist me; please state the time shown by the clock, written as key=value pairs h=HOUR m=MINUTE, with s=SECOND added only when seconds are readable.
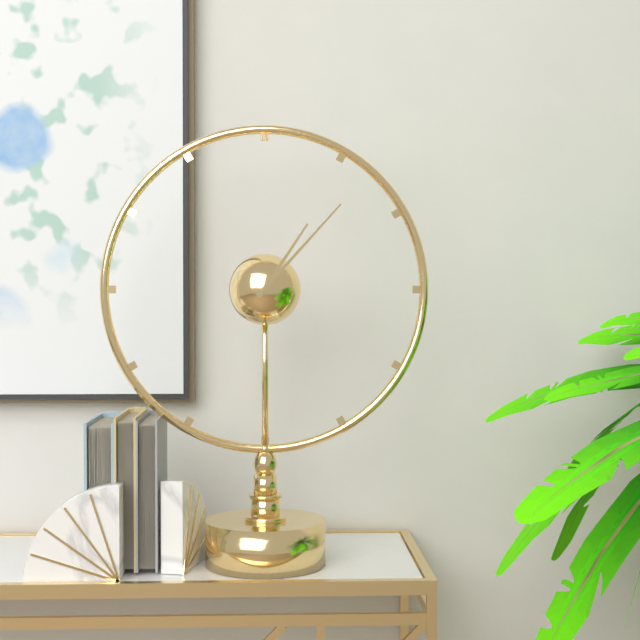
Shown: h=1 m=7
